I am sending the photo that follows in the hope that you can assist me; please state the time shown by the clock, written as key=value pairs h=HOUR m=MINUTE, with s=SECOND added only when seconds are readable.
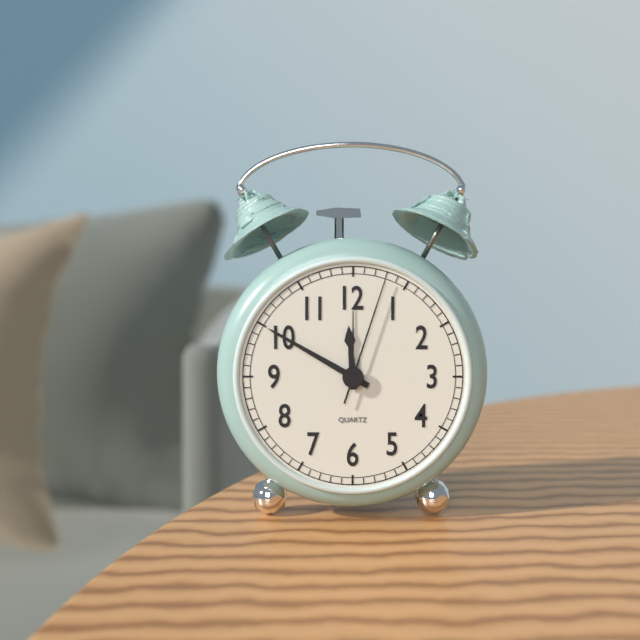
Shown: h=11 m=50 s=3
